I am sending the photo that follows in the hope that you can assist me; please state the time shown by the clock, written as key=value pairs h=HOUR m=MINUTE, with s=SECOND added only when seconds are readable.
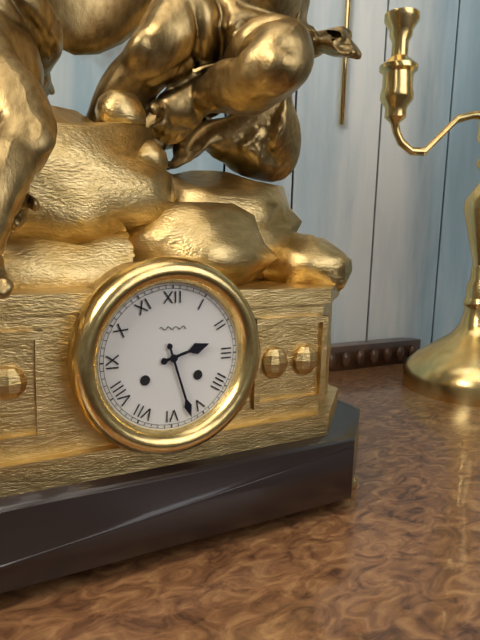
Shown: h=2 m=27
